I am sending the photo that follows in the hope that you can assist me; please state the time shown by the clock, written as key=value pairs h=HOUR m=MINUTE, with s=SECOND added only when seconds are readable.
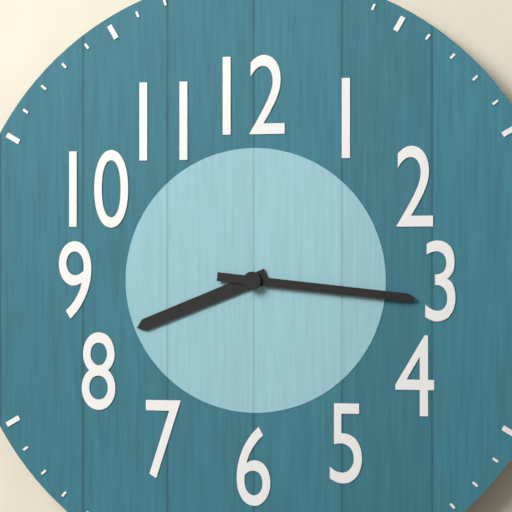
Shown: h=8 m=16
